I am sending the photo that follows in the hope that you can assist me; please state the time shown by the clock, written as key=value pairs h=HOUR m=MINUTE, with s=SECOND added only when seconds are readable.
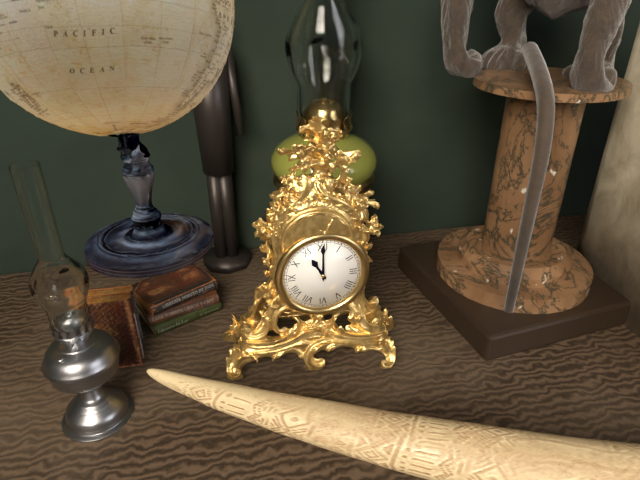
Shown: h=11 m=0
